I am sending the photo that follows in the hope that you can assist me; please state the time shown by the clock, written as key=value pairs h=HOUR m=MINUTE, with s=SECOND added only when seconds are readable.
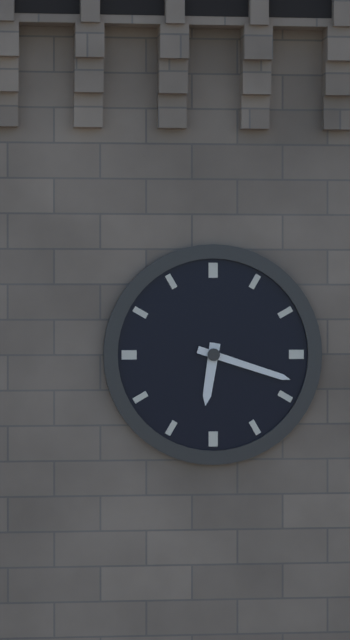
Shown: h=6 m=18
